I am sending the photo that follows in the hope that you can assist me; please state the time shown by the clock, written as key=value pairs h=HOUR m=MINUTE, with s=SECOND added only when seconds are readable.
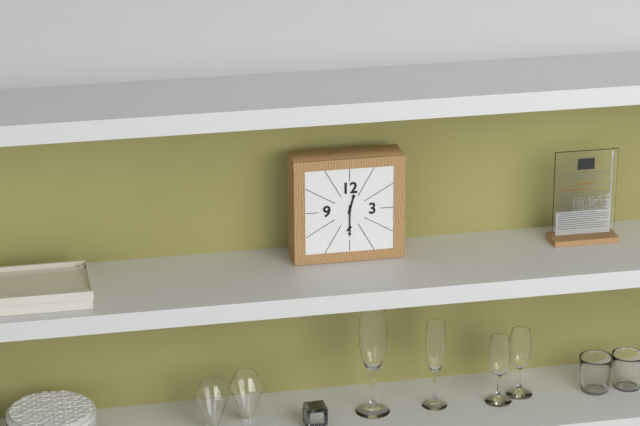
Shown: h=12 m=30
